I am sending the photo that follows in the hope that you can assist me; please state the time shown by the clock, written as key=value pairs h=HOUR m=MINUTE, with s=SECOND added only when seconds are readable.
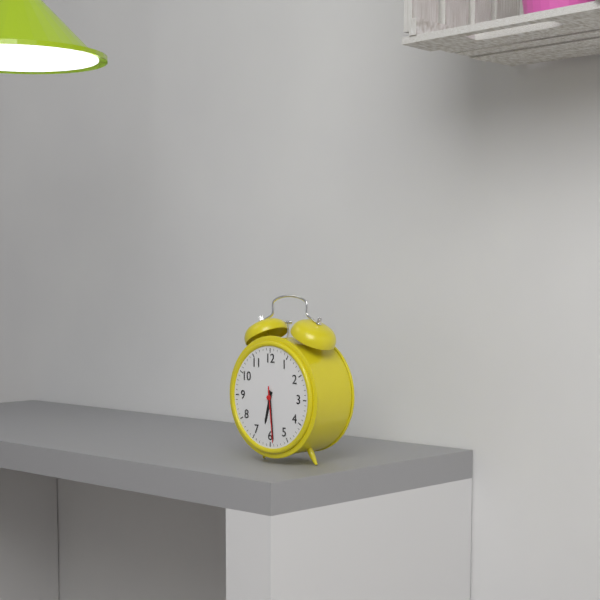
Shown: h=6 m=29 s=29
